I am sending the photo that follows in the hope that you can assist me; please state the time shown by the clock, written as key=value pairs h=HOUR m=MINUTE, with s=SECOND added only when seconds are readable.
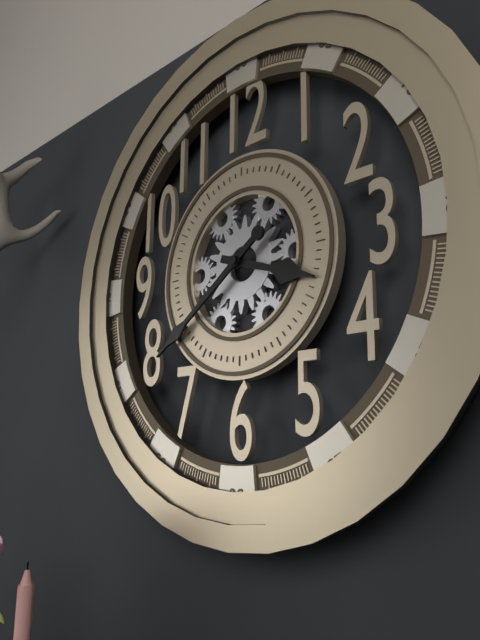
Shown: h=3 m=39
